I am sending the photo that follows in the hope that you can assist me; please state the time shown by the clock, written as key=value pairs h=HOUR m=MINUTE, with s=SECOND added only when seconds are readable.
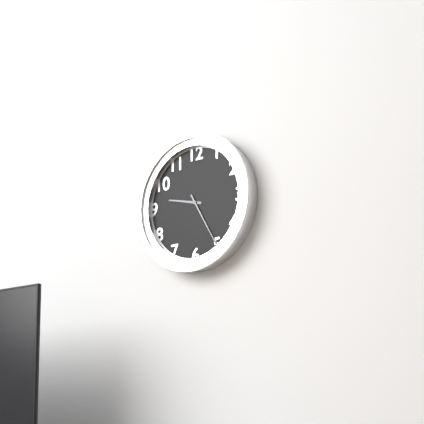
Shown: h=9 m=25
